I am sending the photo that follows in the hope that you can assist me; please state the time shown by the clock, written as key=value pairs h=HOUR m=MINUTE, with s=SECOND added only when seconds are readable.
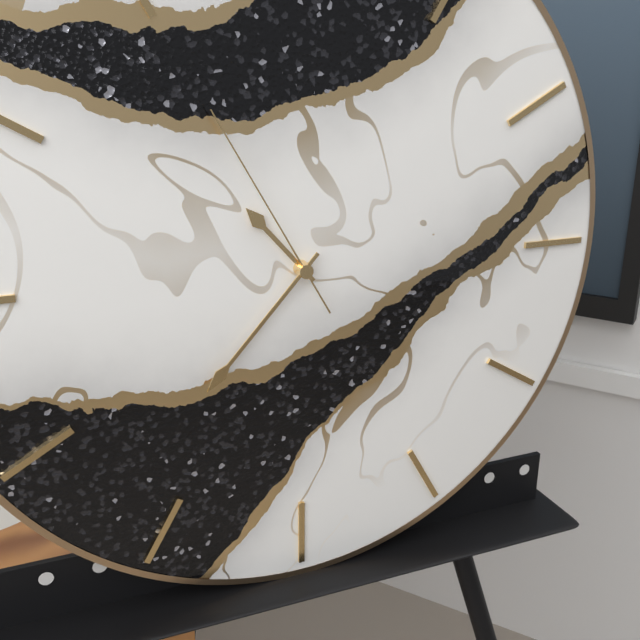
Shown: h=10 m=37 s=55
